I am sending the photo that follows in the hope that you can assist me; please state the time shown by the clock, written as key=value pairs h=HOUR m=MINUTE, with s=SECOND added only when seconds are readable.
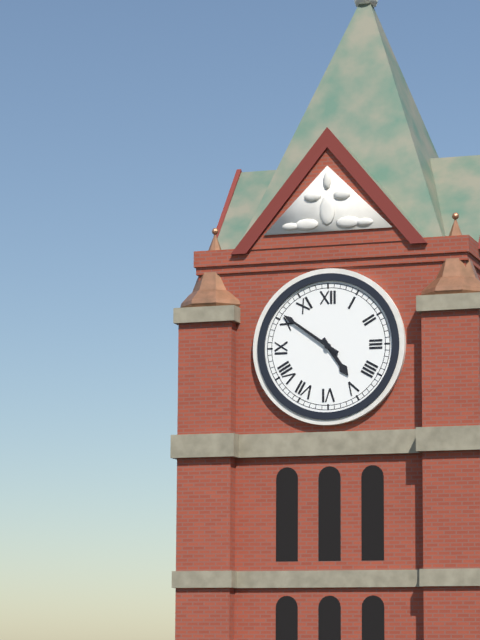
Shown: h=4 m=51
